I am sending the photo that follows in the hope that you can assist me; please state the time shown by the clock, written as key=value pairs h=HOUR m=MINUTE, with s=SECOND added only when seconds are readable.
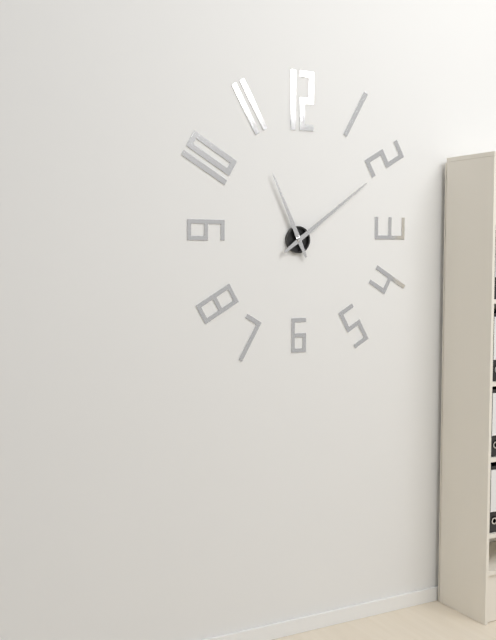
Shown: h=11 m=9
